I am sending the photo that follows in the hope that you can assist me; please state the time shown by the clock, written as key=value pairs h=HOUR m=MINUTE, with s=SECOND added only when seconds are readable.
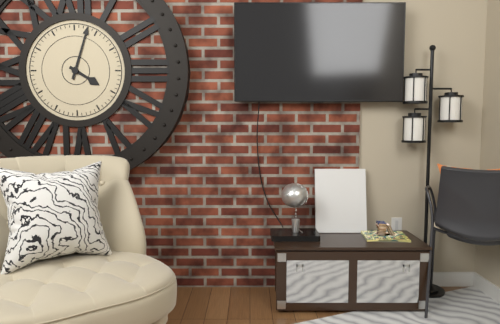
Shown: h=4 m=3
